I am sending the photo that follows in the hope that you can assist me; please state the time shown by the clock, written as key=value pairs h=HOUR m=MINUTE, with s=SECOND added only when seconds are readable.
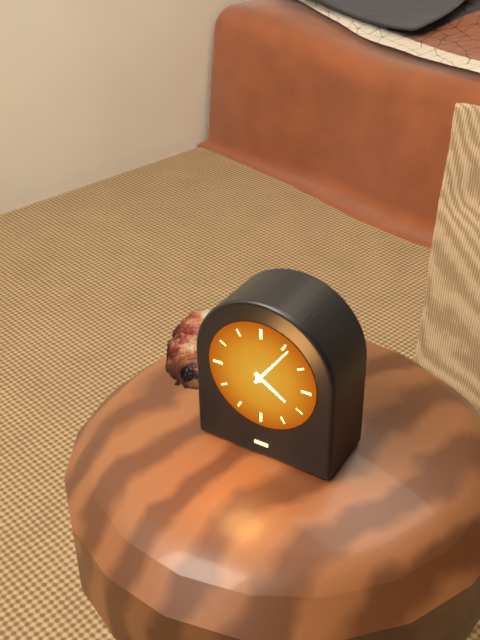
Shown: h=4 m=6
